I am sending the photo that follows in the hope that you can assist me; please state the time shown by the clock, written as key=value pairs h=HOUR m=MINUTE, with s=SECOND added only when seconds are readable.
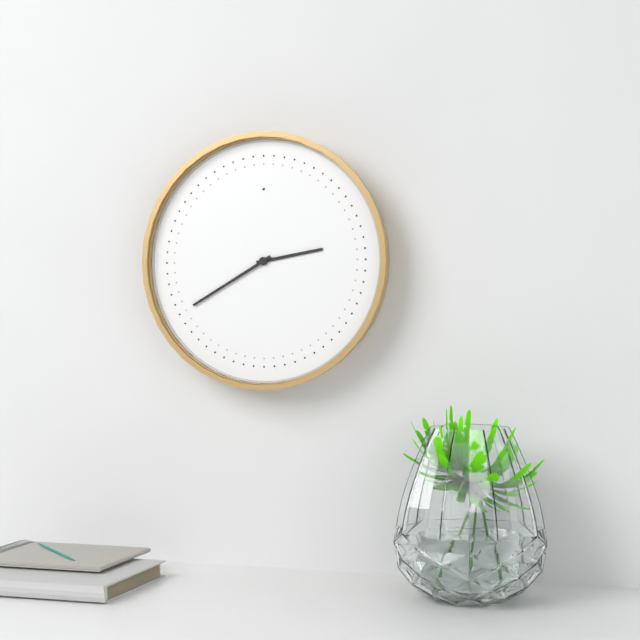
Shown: h=2 m=40
